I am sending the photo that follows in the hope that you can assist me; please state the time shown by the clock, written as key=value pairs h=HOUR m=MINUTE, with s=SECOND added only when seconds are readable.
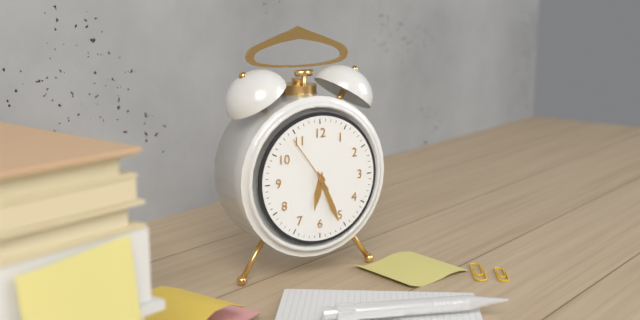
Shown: h=6 m=26 s=54
